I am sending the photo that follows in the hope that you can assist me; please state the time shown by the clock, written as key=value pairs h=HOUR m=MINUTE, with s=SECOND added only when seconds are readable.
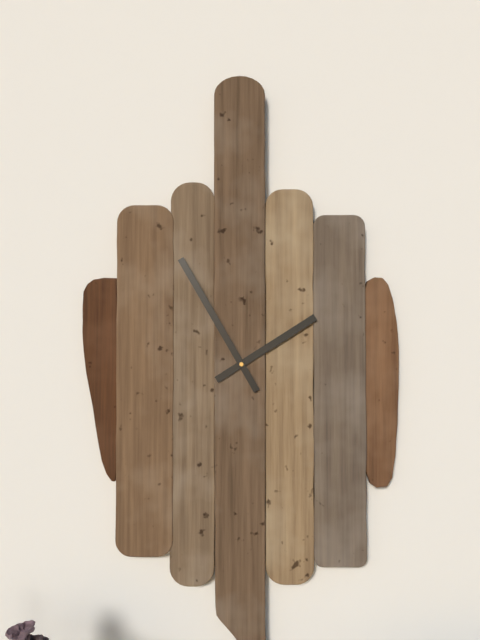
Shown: h=1 m=55
